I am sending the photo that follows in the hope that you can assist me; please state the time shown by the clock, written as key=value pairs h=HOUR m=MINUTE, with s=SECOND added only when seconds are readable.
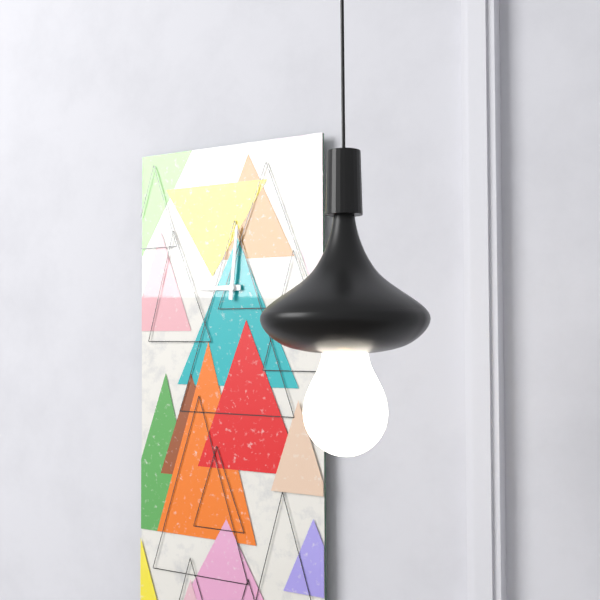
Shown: h=9 m=1
